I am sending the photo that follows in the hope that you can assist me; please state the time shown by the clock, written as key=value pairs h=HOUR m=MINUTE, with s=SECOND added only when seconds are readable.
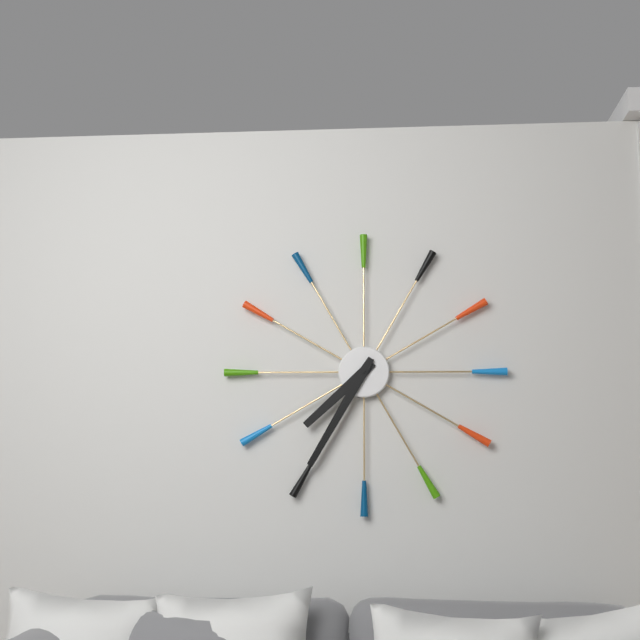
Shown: h=7 m=35
